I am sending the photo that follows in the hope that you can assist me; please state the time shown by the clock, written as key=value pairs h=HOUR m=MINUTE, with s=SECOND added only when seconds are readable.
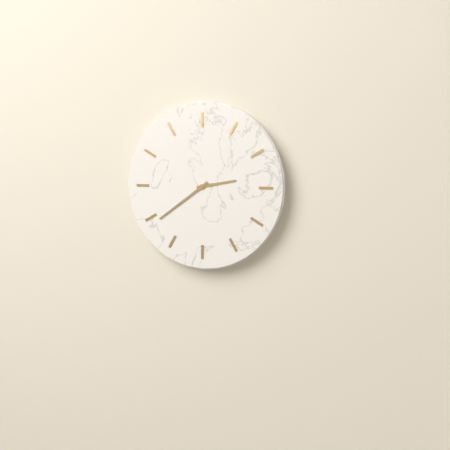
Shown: h=2 m=39
